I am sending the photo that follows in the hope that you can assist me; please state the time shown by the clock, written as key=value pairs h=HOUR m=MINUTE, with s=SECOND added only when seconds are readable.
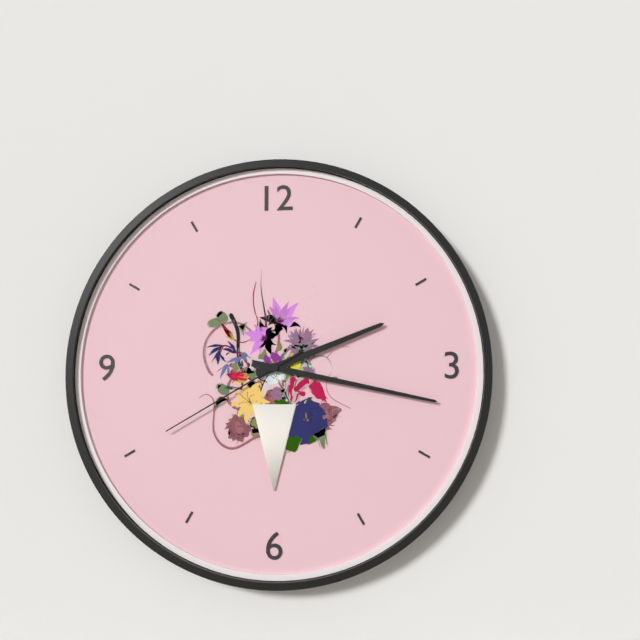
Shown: h=2 m=17 s=40
